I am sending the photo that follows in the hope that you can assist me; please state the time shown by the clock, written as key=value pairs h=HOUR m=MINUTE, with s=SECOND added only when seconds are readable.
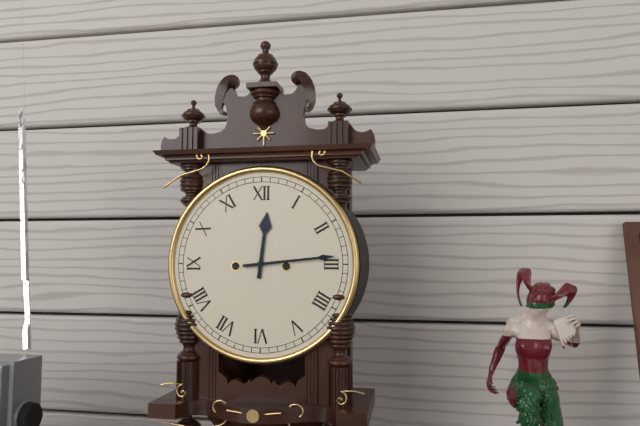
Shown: h=12 m=14
